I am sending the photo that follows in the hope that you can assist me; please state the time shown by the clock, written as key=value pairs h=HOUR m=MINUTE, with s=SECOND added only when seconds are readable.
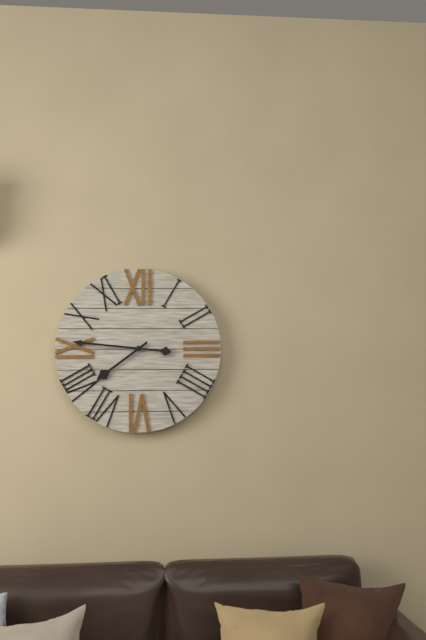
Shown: h=7 m=46
